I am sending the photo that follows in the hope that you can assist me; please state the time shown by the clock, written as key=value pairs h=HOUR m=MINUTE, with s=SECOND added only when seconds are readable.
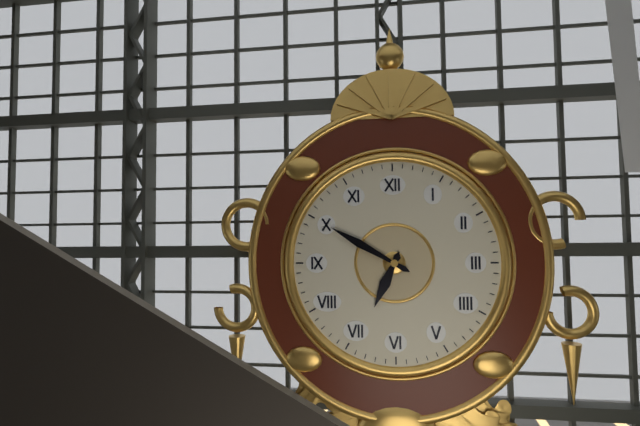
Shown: h=6 m=50
